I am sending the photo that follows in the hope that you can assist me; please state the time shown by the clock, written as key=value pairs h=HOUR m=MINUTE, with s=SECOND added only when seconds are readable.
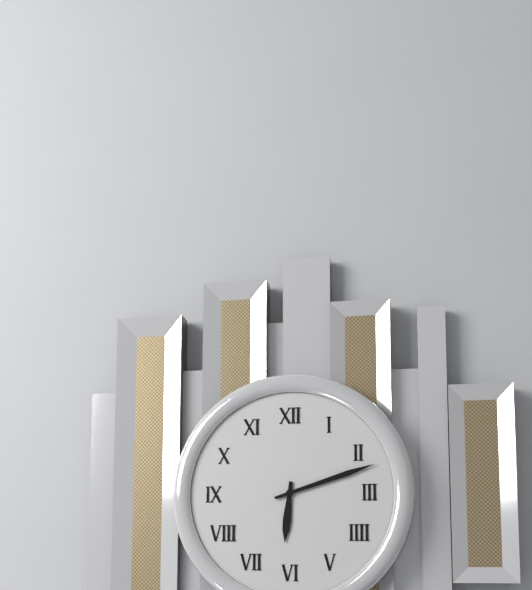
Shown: h=6 m=12
